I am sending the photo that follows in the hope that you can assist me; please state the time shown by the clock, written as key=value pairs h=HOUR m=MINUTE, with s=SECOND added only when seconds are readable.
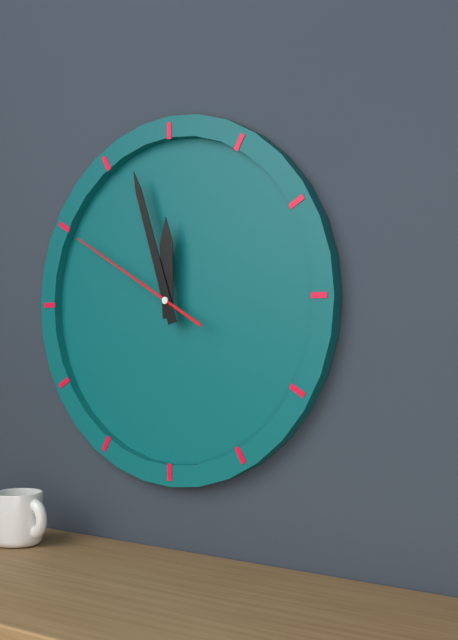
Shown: h=11 m=57 s=50
